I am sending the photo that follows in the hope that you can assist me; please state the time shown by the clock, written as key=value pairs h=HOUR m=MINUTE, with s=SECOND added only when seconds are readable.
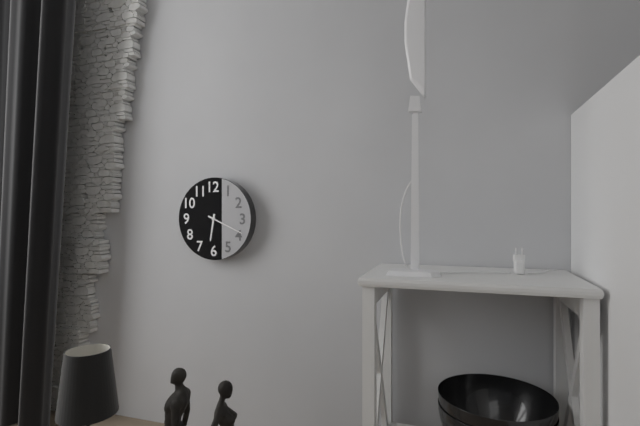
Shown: h=6 m=19
